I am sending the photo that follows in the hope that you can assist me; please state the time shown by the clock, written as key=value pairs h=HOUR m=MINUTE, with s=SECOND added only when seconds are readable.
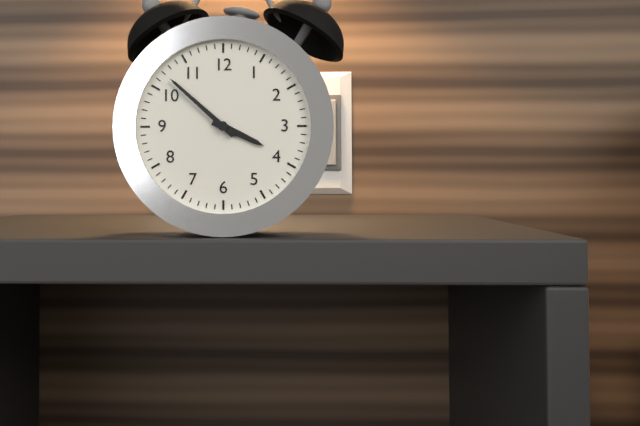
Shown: h=3 m=52
